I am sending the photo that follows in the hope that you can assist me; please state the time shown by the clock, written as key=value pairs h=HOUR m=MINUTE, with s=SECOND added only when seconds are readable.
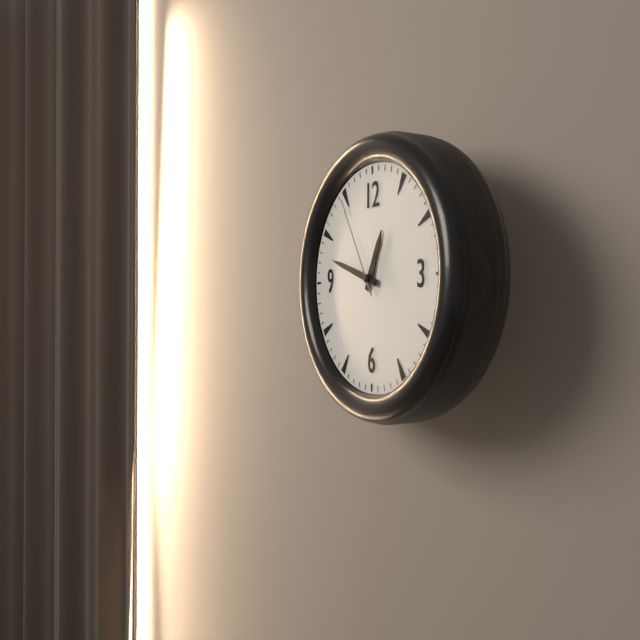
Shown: h=12 m=48 s=55
